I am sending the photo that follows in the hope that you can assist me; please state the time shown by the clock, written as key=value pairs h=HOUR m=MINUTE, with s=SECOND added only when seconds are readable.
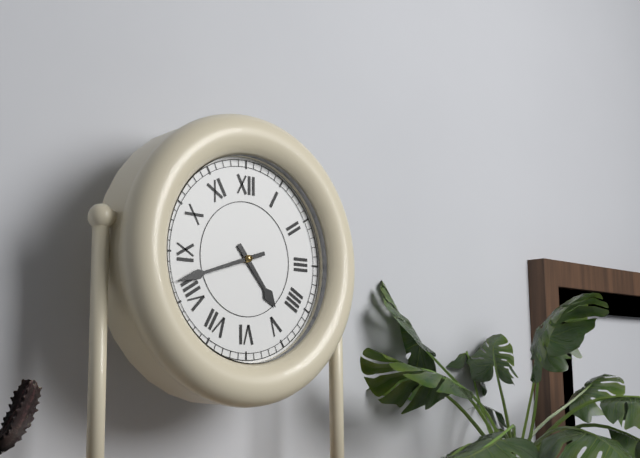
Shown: h=4 m=42
